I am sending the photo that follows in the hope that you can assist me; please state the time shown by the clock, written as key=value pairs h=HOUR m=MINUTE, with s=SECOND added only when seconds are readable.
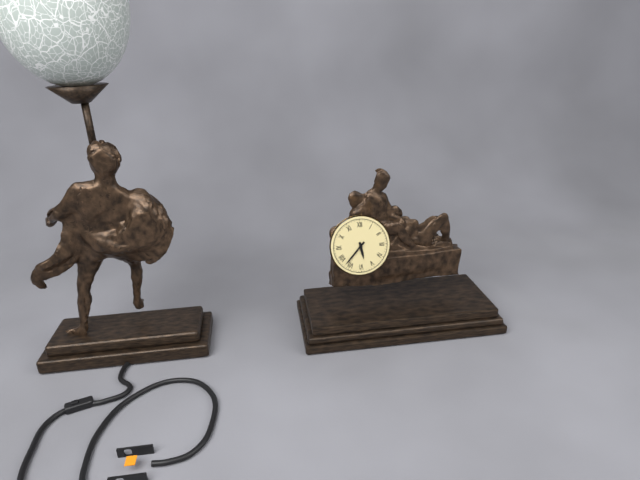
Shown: h=5 m=37
